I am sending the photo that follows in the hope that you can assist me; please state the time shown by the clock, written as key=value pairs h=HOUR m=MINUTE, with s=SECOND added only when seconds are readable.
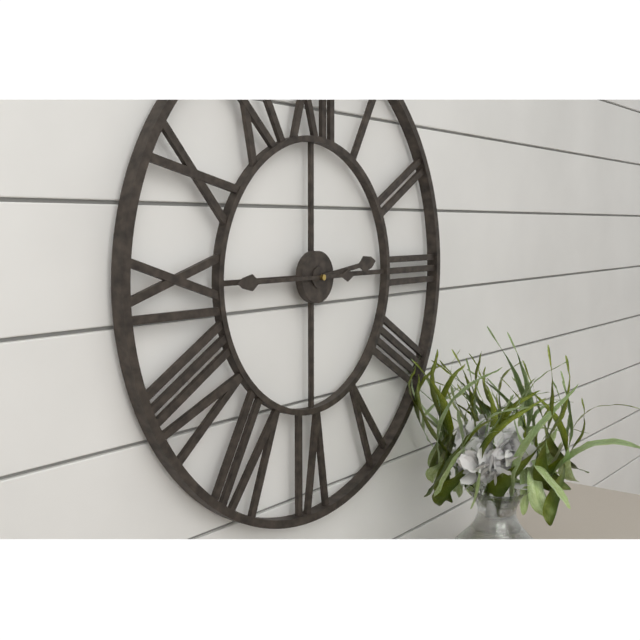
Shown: h=2 m=45
